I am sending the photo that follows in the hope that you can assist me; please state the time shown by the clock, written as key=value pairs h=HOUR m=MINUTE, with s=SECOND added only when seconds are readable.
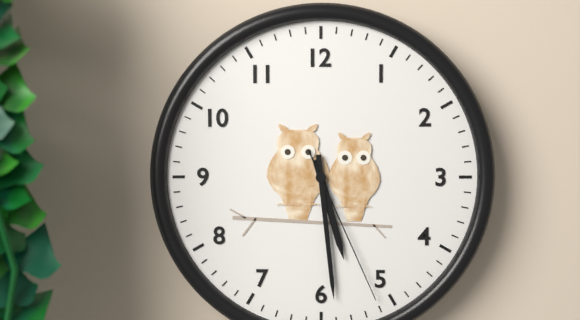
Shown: h=5 m=29 s=26
